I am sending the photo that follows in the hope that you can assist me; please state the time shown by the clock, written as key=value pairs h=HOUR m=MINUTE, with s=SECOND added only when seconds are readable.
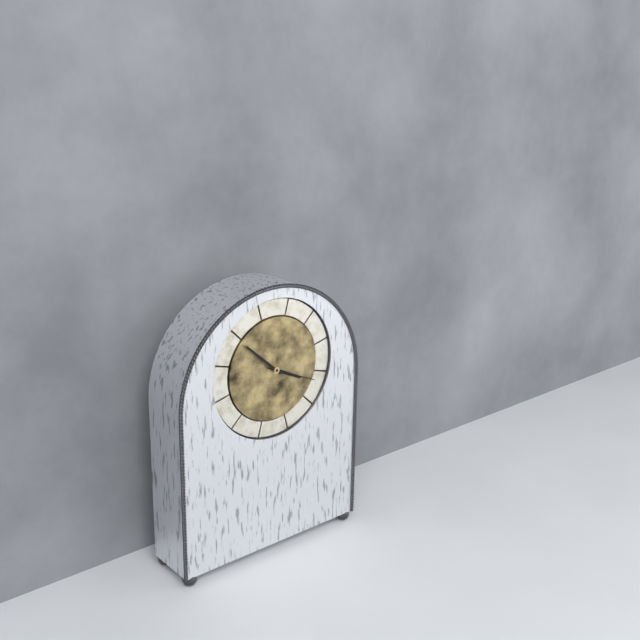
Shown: h=3 m=52 s=19
